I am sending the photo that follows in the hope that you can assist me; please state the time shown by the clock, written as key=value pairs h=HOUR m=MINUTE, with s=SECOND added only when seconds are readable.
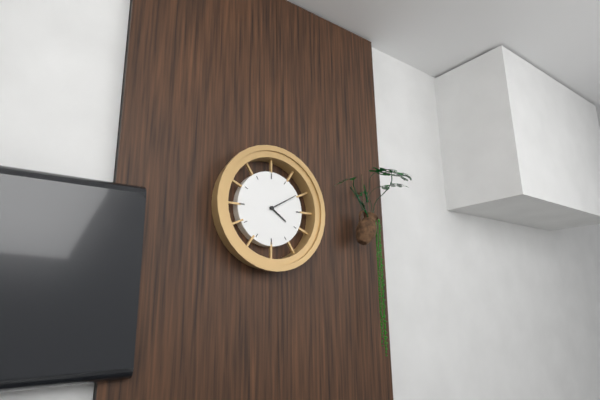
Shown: h=4 m=10
